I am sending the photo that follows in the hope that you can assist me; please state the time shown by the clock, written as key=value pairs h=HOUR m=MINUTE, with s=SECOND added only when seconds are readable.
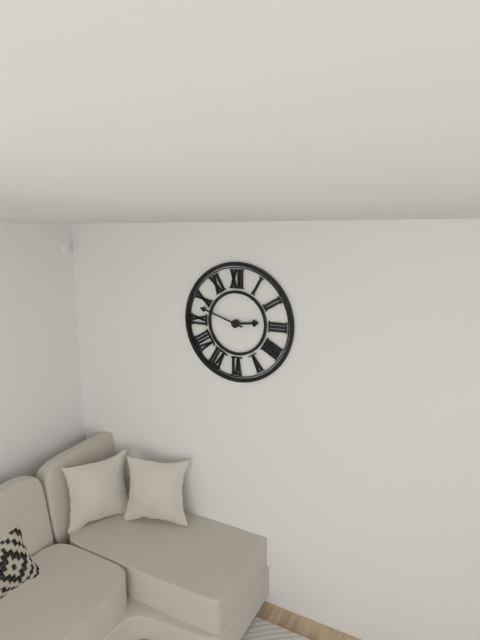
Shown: h=2 m=48
